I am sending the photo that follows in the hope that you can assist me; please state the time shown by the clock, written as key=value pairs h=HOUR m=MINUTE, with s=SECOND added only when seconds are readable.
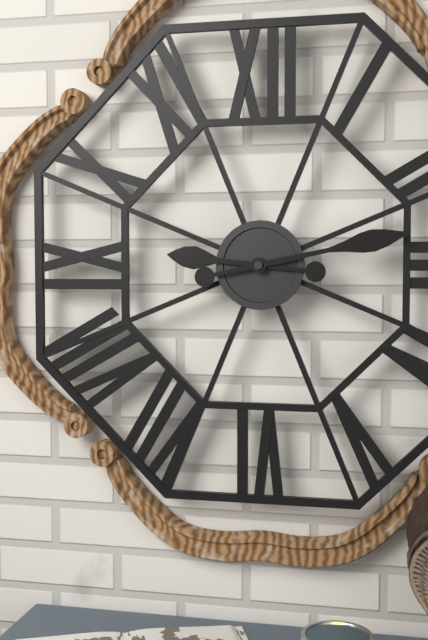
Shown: h=9 m=13
